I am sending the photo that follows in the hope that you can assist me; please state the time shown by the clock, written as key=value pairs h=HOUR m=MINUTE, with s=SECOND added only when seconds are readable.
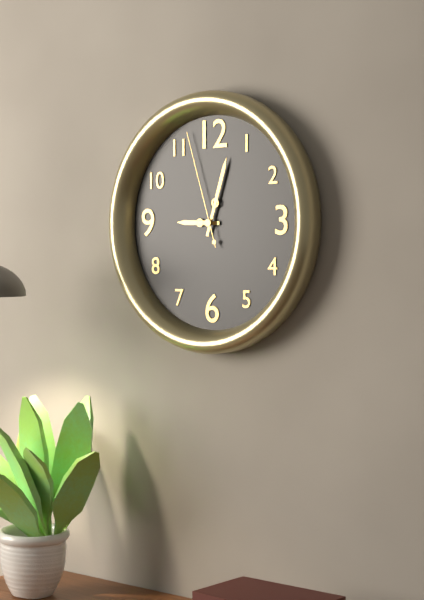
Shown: h=9 m=3 s=57
